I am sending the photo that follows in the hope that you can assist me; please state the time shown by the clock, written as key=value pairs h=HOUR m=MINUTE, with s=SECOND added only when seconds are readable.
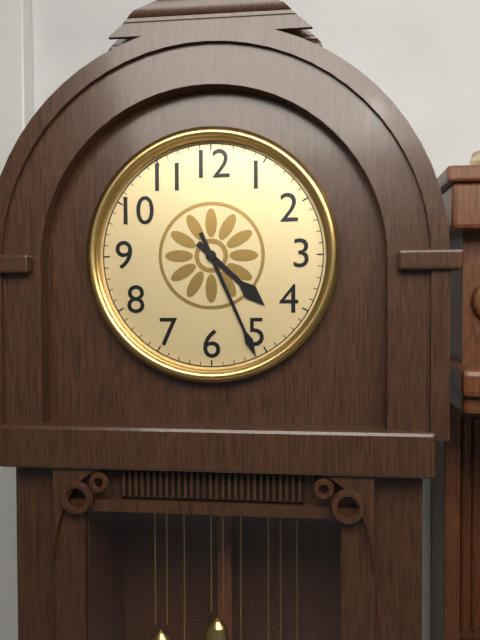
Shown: h=4 m=26
